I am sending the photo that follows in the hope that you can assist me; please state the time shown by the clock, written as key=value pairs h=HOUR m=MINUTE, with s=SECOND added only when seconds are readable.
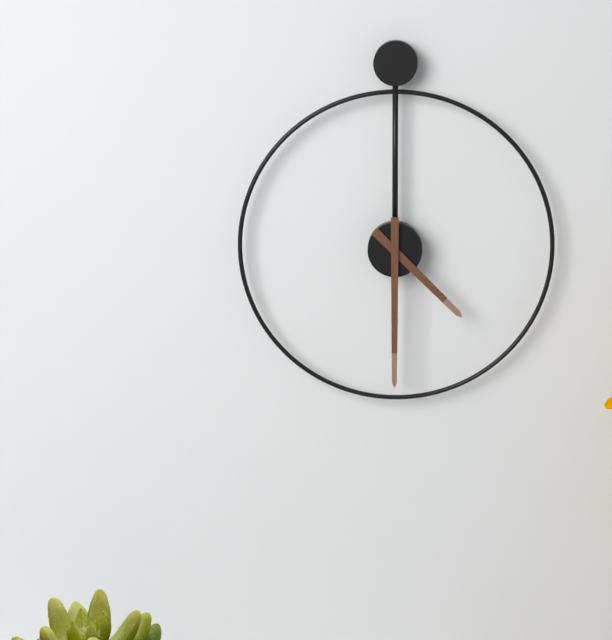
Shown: h=4 m=30
